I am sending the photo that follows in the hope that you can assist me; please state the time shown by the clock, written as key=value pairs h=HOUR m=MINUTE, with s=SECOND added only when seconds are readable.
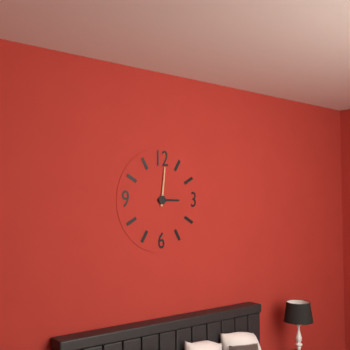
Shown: h=3 m=1
